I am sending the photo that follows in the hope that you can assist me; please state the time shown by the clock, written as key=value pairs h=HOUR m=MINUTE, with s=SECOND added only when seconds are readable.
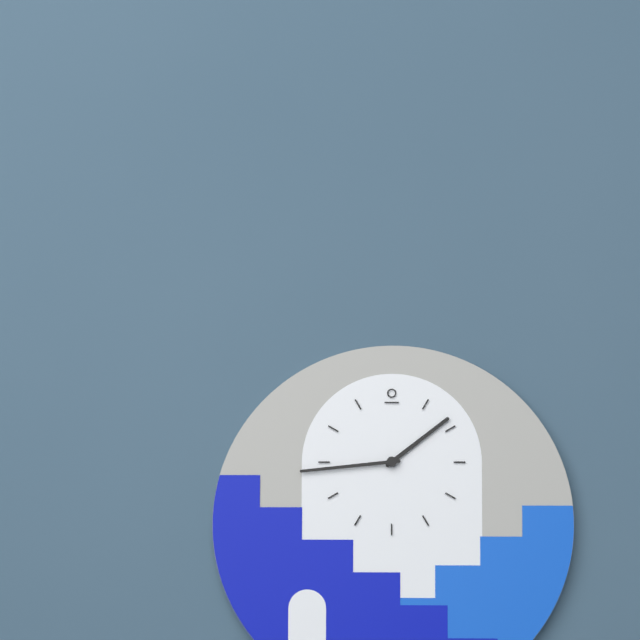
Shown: h=1 m=44
